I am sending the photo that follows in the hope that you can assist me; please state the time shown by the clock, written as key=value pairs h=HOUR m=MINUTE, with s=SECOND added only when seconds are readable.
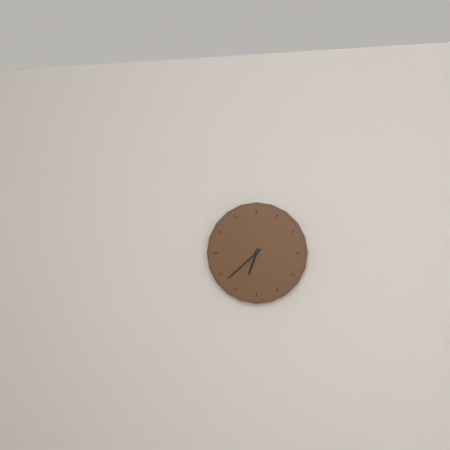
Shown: h=6 m=38
